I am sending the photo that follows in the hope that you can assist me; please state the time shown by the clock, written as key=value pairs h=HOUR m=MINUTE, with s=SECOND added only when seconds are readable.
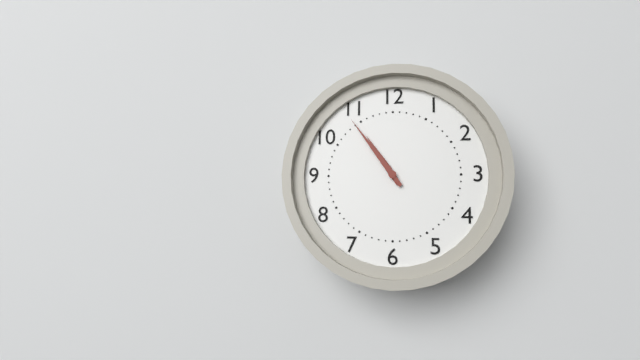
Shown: h=10 m=54
